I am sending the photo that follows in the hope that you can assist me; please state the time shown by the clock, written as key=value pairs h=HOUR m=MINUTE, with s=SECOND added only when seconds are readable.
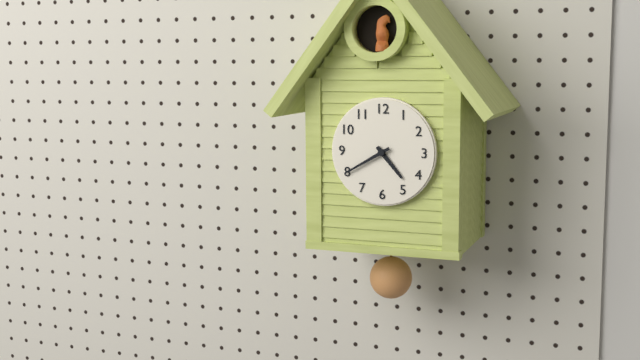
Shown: h=4 m=40
